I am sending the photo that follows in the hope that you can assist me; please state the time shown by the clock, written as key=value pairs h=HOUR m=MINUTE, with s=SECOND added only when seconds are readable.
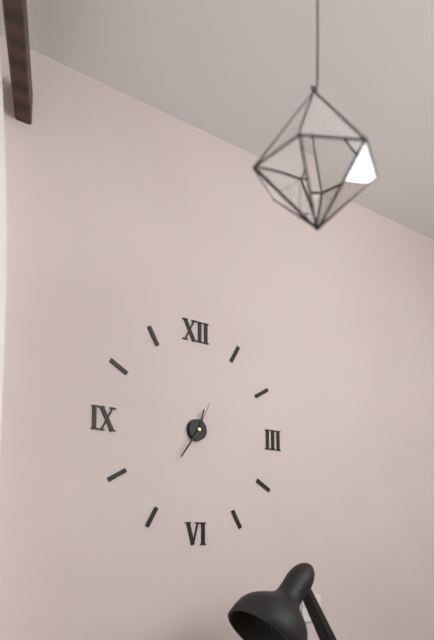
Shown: h=12 m=36
